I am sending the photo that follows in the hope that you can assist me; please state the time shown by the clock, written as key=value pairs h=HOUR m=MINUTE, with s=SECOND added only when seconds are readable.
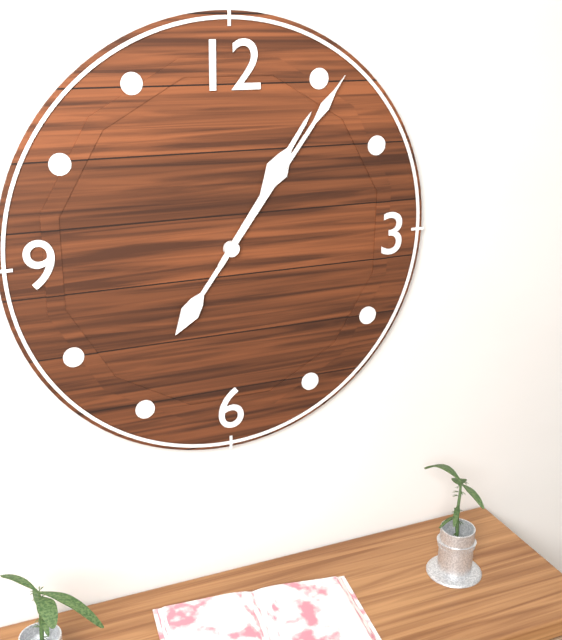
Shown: h=1 m=6
